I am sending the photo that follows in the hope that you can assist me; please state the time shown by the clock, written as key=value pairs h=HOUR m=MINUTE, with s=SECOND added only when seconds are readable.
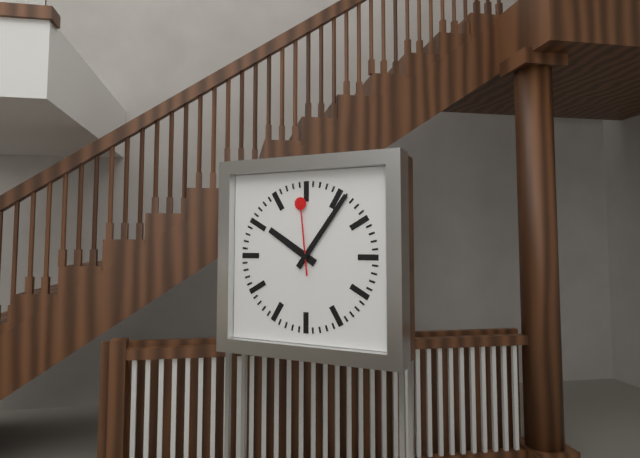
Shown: h=10 m=6 s=59
